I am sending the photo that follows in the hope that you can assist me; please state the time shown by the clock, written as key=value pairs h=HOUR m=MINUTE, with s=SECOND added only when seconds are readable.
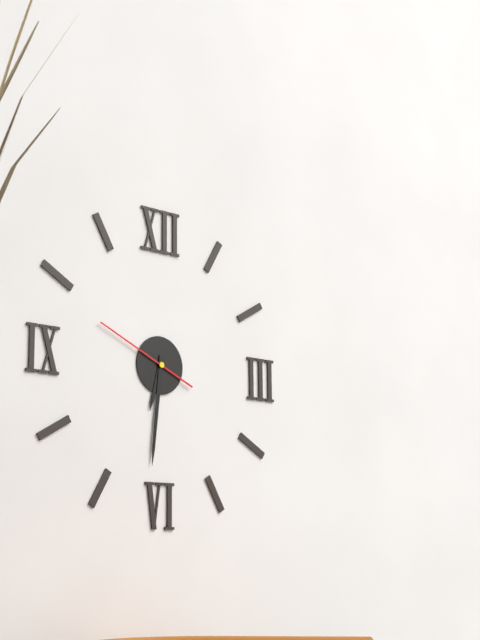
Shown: h=6 m=31 s=49
